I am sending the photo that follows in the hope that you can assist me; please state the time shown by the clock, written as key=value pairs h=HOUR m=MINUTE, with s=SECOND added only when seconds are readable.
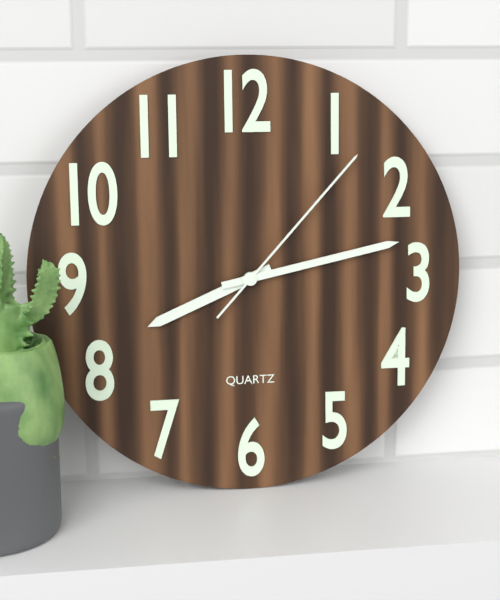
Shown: h=8 m=13 s=7
